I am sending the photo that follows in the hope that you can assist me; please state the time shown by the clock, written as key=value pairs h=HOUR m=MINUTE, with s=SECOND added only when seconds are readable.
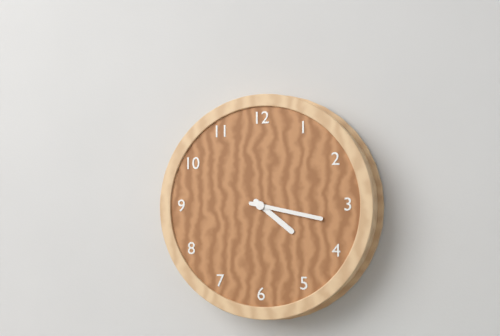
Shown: h=4 m=17
